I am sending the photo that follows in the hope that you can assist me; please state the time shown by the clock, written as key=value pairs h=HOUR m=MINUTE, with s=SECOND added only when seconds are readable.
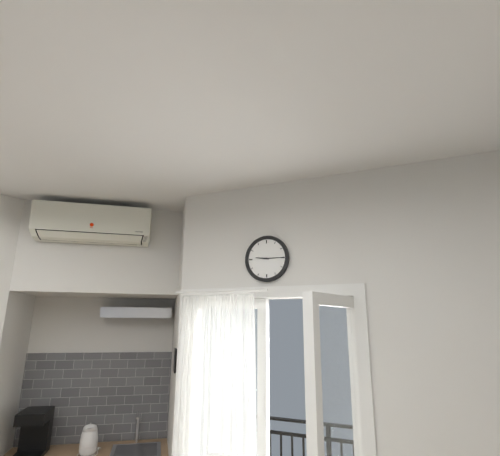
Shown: h=9 m=15
